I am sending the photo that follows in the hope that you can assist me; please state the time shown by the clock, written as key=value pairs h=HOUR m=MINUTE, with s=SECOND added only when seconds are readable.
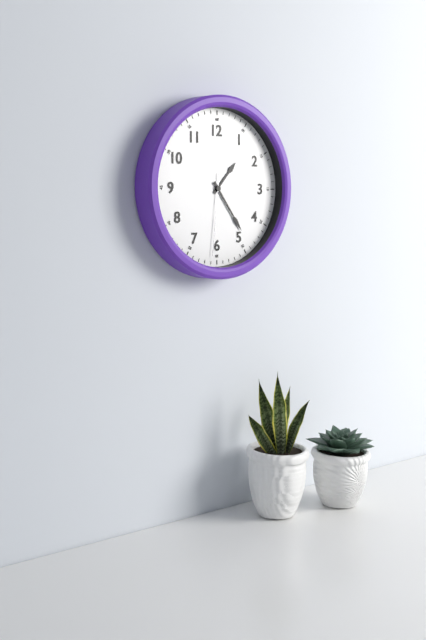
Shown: h=1 m=24 s=31
